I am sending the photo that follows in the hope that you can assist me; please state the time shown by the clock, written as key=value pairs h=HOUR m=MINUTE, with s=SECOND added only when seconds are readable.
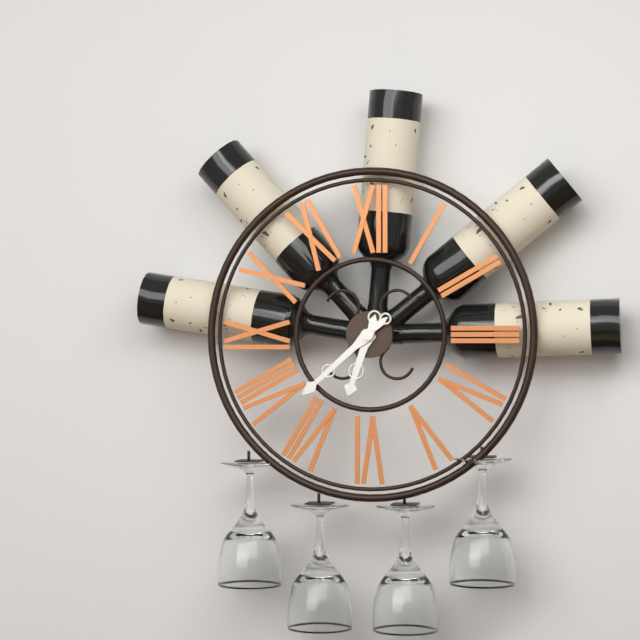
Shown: h=6 m=38
